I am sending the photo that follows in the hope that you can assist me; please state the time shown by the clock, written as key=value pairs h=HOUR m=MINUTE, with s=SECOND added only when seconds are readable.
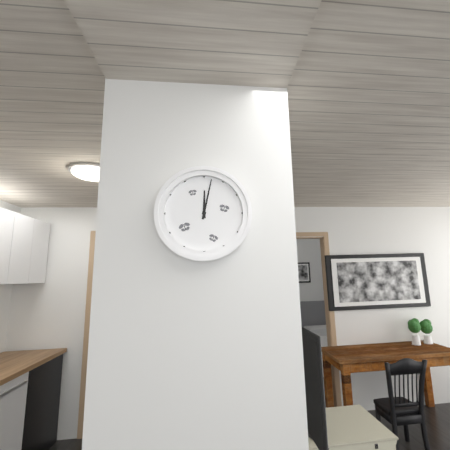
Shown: h=12 m=2
